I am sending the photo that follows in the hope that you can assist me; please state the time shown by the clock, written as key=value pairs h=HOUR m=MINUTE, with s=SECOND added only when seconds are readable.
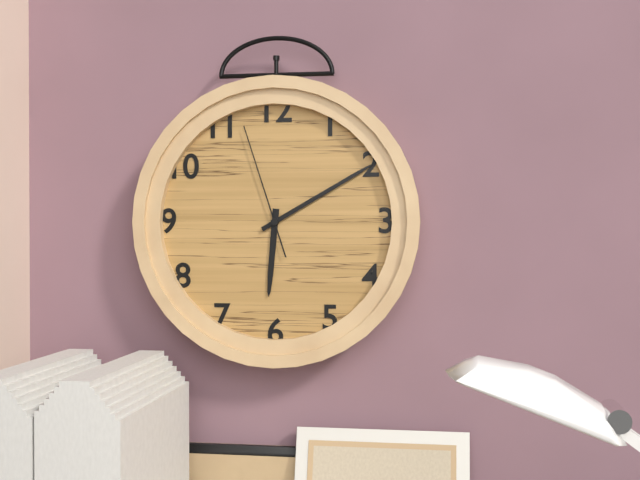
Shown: h=6 m=10 s=57
